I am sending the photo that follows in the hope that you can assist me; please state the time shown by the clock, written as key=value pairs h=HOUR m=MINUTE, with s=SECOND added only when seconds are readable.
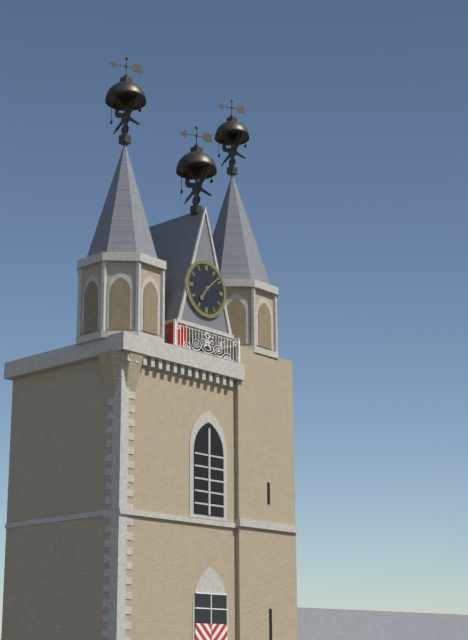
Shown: h=7 m=8
